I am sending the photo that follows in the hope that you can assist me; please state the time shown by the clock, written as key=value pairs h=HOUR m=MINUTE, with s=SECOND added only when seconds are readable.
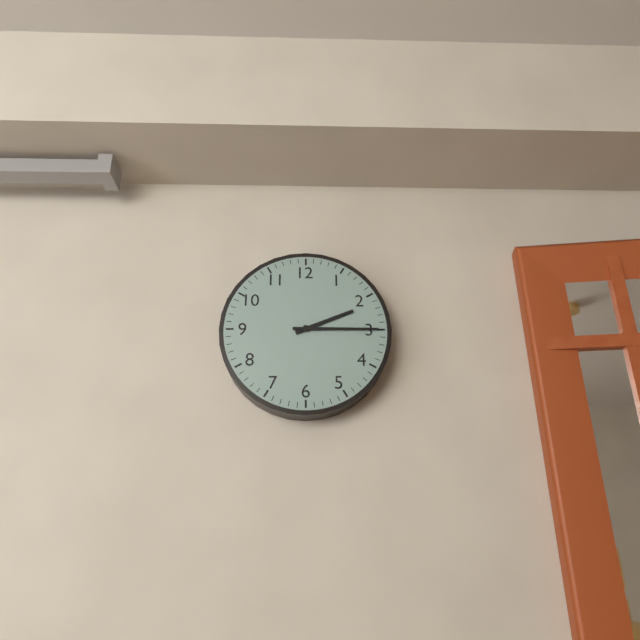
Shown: h=2 m=15
